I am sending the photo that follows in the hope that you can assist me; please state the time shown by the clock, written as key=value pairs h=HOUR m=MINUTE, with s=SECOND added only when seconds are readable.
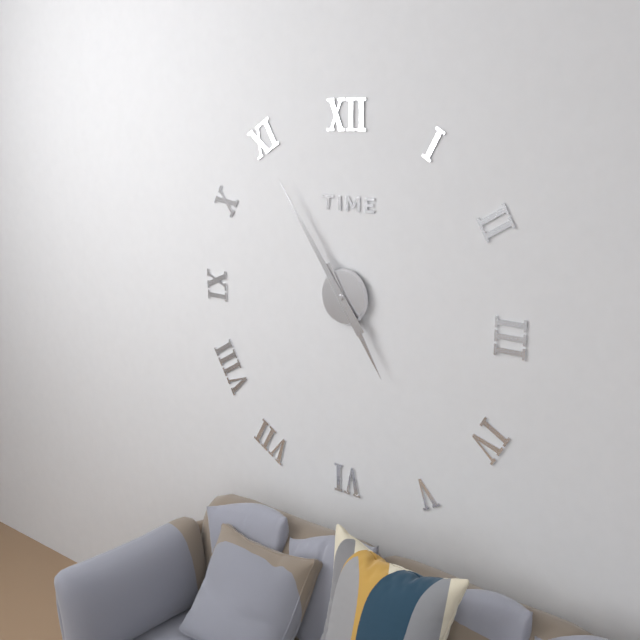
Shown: h=4 m=54
